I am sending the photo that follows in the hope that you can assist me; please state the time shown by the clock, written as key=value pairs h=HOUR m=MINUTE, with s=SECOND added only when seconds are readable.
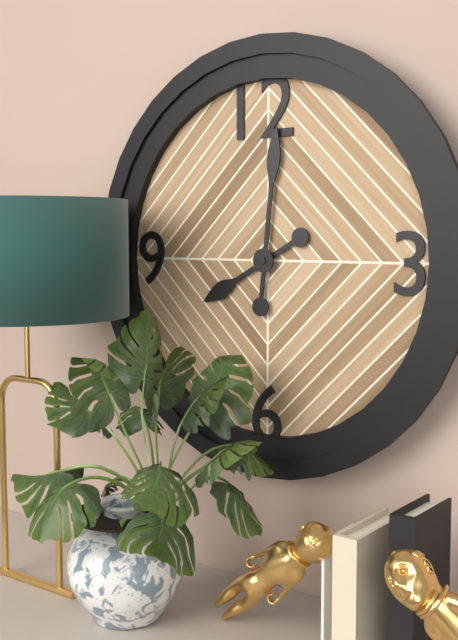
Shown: h=8 m=1
